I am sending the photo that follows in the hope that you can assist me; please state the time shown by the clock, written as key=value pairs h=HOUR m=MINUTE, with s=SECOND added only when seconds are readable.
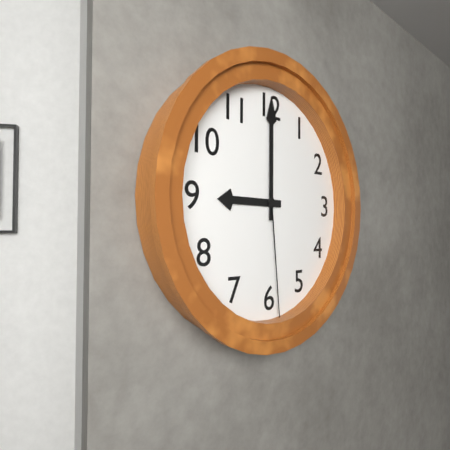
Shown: h=9 m=0 s=29
